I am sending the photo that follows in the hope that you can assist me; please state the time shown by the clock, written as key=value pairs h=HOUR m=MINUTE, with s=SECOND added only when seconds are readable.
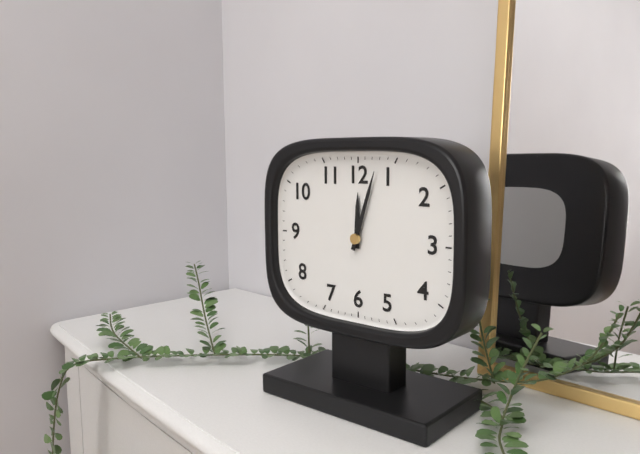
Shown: h=12 m=3
